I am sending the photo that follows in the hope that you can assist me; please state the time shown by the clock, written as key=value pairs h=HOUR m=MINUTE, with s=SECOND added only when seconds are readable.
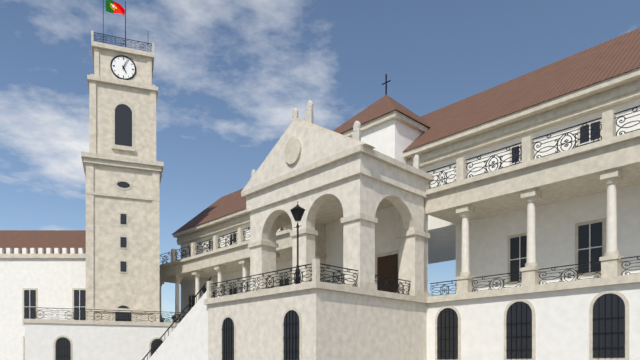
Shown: h=5 m=4
